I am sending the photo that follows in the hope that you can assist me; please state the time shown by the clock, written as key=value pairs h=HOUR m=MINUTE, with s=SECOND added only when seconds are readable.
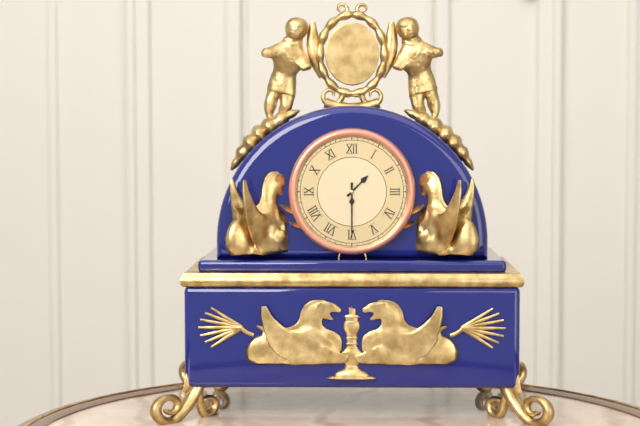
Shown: h=1 m=30
